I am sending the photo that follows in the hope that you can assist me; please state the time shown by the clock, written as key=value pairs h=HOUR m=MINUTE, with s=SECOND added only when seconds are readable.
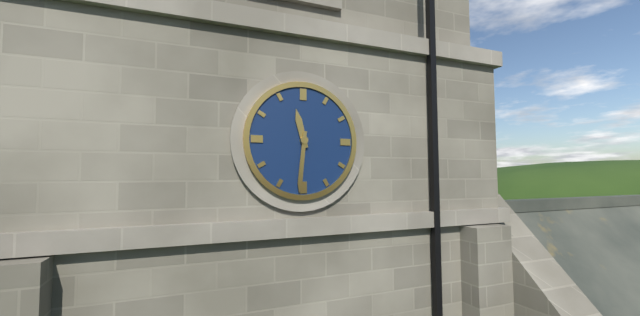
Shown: h=11 m=31
